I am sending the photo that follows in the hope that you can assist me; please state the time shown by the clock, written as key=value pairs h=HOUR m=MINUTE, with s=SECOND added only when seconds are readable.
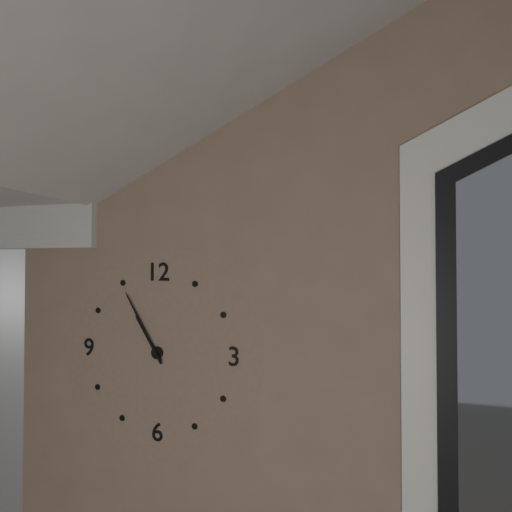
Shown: h=10 m=55
